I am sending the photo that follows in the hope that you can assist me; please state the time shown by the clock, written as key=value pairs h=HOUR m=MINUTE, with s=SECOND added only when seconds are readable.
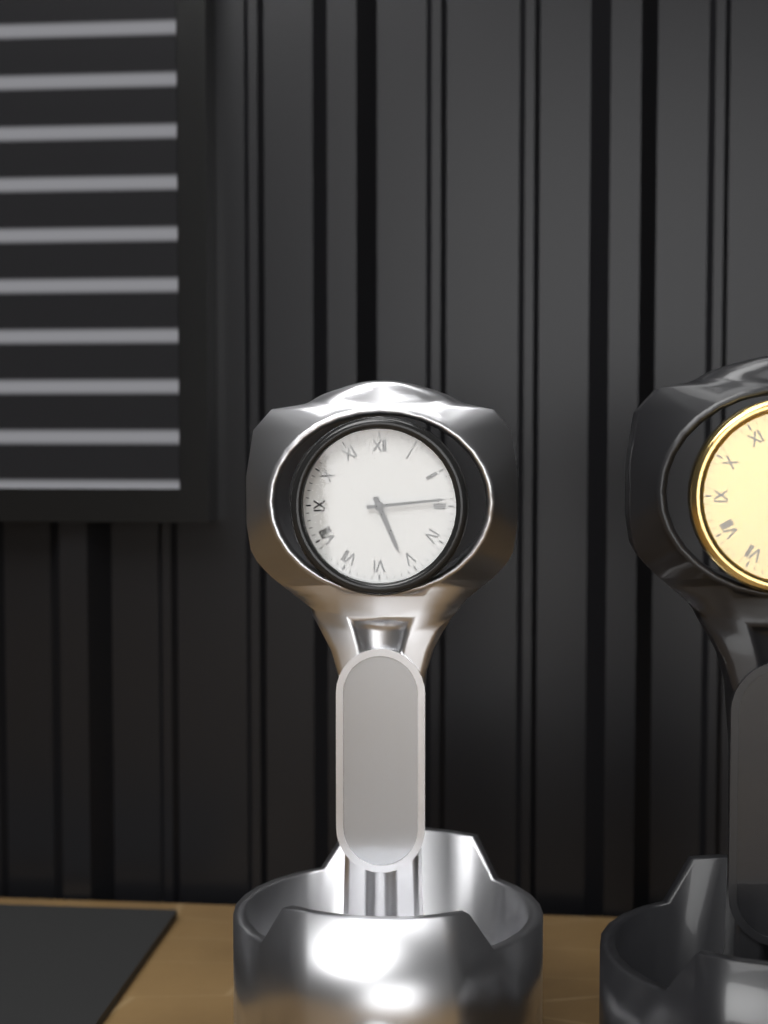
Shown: h=5 m=14
